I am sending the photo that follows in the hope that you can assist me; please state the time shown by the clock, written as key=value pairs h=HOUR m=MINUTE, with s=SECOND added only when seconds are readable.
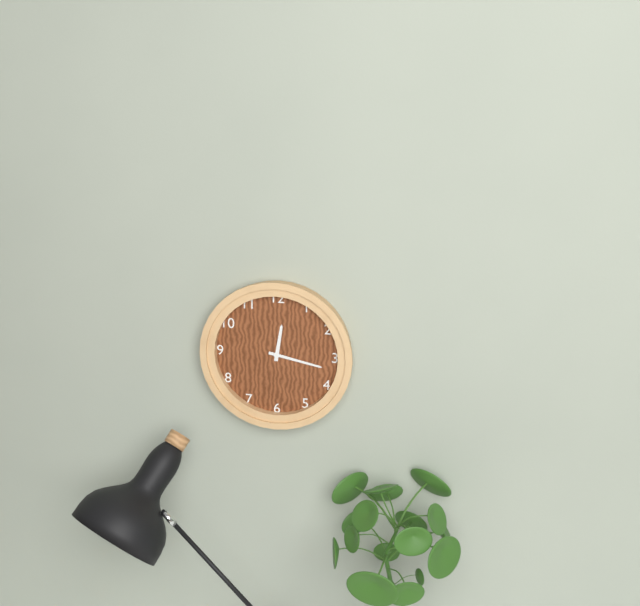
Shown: h=12 m=17
